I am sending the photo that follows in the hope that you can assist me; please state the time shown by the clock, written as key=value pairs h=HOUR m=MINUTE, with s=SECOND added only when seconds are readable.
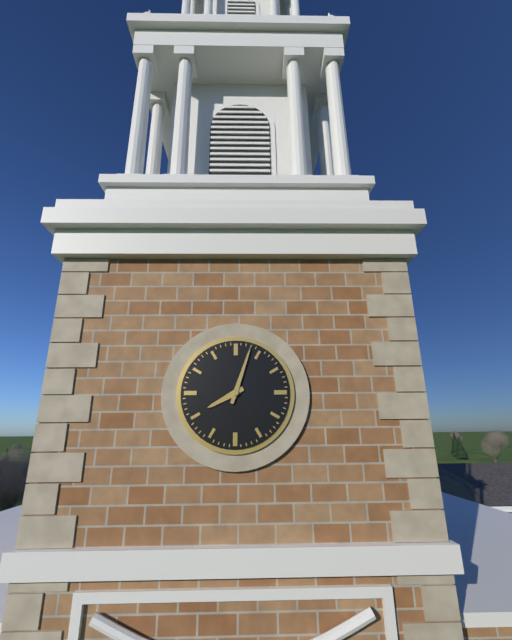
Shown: h=8 m=3
